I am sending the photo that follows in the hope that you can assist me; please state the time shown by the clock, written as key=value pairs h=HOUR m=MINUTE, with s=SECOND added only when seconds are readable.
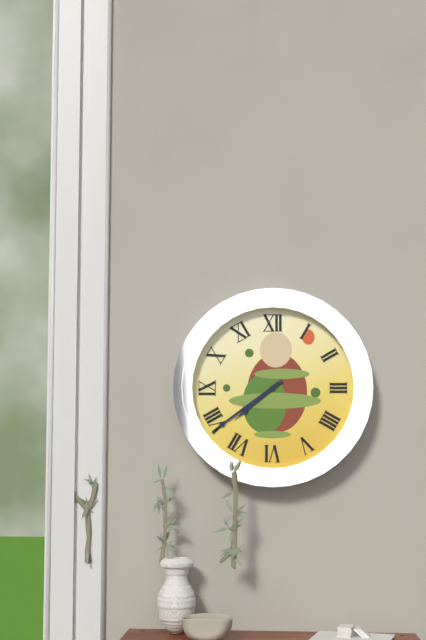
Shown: h=7 m=39
